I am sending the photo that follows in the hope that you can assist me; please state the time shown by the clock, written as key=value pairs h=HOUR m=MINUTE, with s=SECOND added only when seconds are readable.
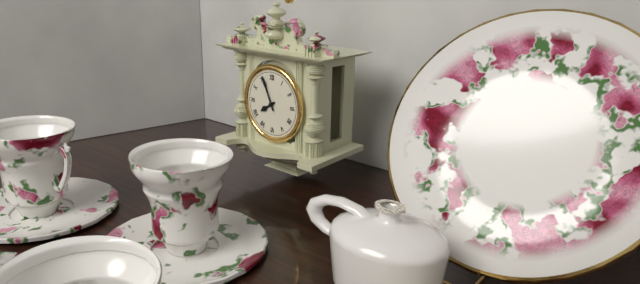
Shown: h=7 m=56
